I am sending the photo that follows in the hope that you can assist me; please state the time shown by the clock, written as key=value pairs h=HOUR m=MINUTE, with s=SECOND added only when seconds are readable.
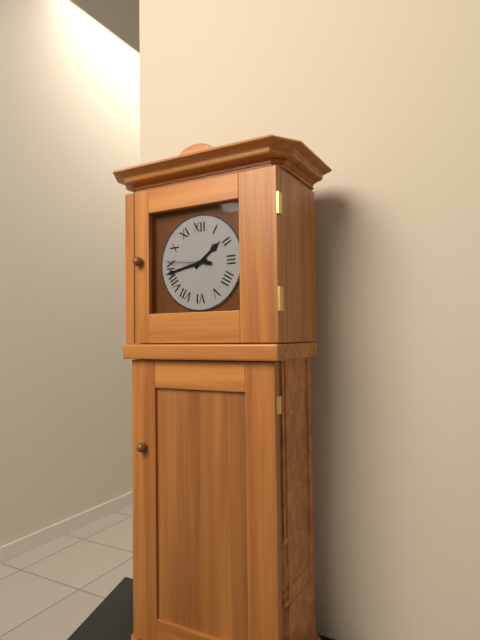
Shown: h=1 m=43
